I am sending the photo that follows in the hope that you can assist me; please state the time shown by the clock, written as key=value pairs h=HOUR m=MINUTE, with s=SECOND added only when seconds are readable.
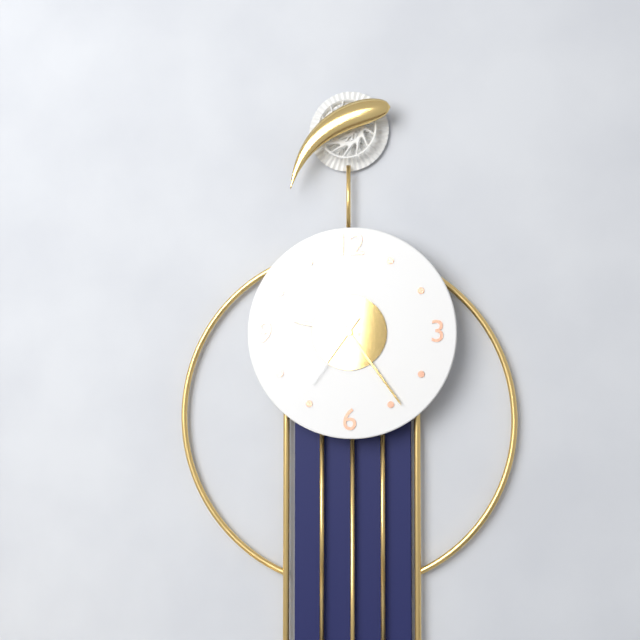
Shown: h=9 m=24 s=36
